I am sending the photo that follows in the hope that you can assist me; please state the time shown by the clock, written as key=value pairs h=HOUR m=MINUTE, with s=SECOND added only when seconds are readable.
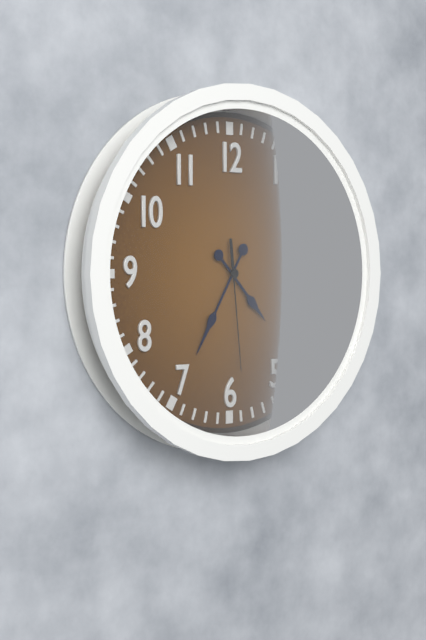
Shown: h=4 m=35 s=29
